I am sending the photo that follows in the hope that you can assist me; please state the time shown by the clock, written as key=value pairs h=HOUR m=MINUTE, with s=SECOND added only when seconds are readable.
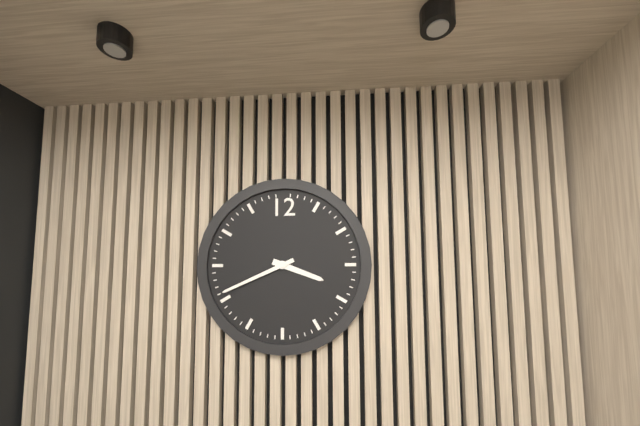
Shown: h=3 m=41
